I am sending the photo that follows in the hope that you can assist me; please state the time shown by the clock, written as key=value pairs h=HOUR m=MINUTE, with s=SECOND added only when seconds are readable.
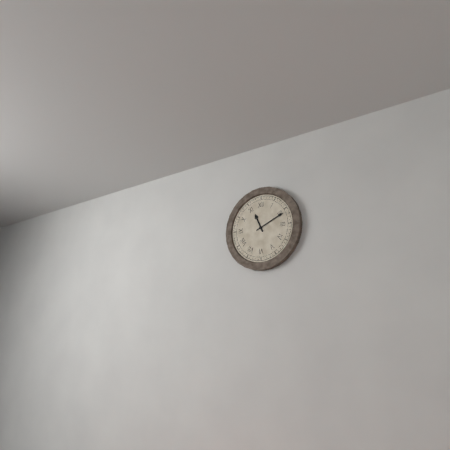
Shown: h=11 m=11
